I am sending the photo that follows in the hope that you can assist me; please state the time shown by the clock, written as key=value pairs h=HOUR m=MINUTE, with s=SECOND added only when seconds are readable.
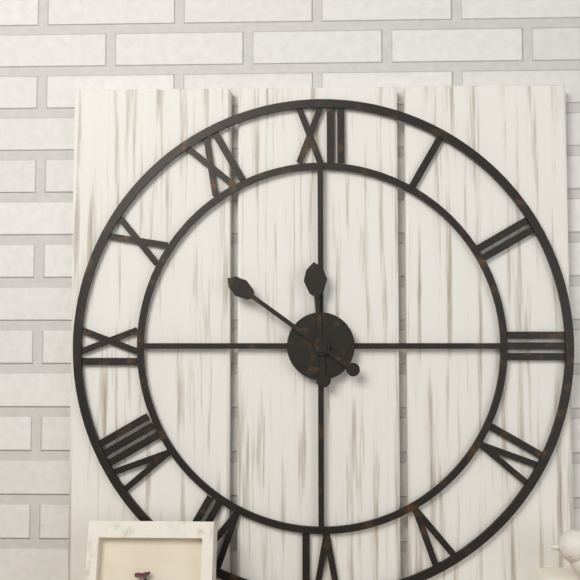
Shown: h=11 m=51
